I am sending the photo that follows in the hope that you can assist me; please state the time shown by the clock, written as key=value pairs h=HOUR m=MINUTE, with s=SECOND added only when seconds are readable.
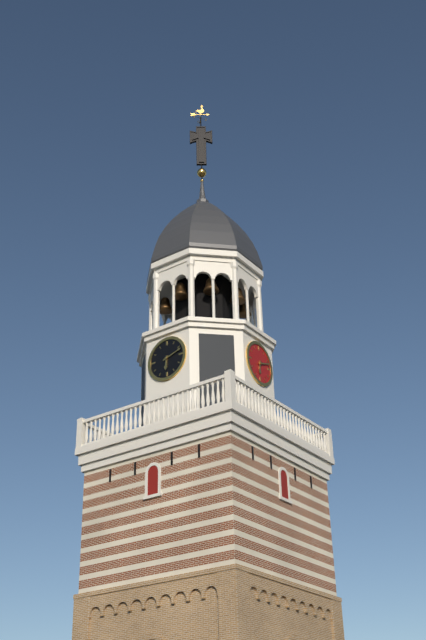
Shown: h=6 m=12
